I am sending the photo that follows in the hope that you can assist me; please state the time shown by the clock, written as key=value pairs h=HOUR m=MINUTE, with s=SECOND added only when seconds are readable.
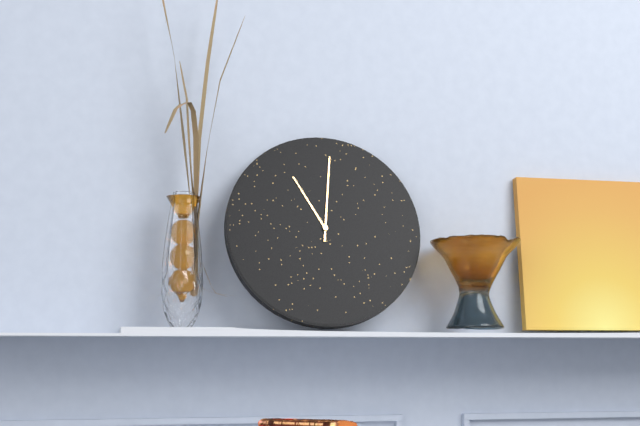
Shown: h=11 m=1
